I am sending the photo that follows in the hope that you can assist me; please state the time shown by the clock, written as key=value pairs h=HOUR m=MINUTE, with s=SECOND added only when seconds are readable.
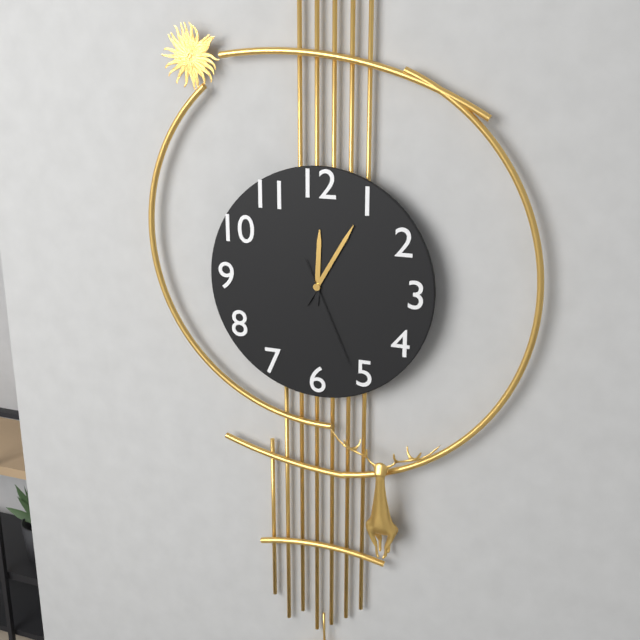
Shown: h=12 m=5 s=26
